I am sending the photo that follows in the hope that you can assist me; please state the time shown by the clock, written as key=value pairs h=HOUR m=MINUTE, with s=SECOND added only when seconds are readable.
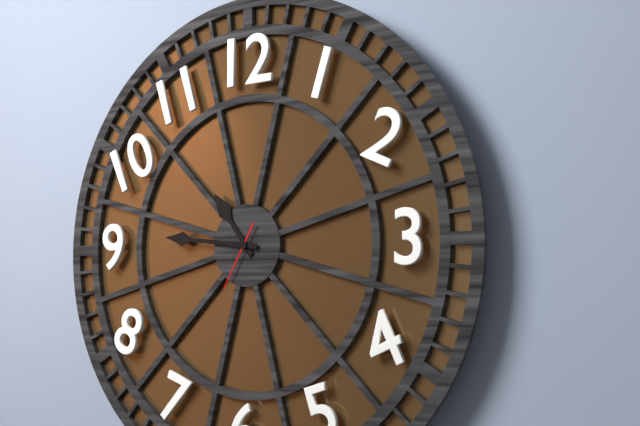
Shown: h=10 m=46 s=35
